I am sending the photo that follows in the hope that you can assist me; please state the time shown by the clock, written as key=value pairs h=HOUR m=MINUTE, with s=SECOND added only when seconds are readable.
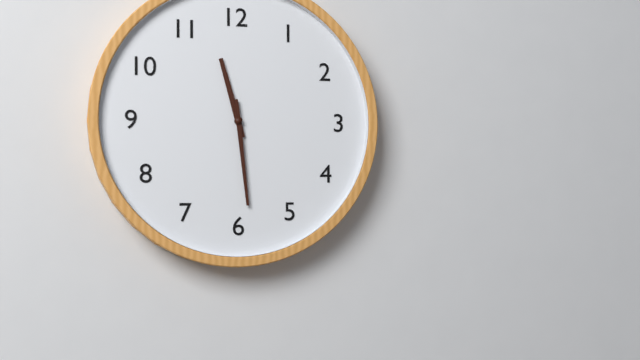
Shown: h=11 m=29
